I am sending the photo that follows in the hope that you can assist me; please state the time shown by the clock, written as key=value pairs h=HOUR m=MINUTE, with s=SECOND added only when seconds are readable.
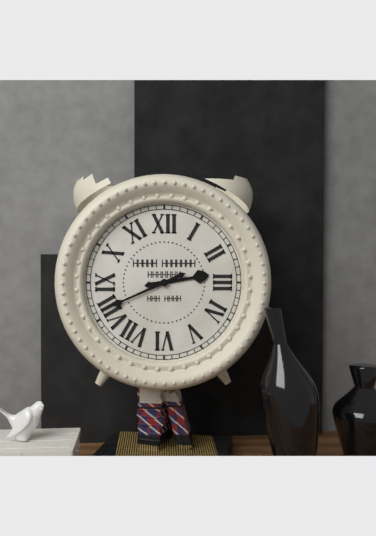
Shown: h=2 m=41
